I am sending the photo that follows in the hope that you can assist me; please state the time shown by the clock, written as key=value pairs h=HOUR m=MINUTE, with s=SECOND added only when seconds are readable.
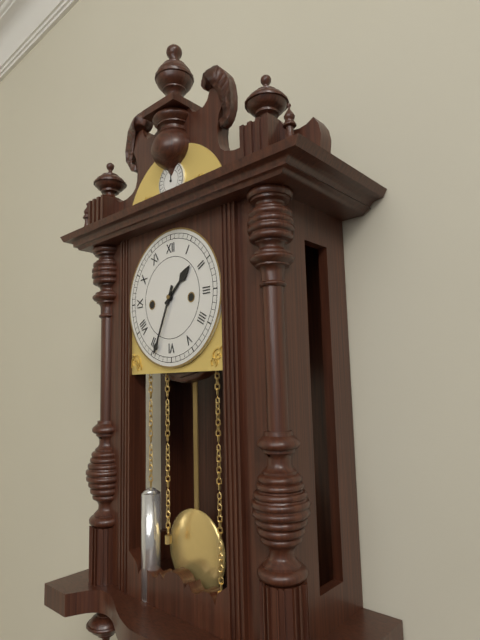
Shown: h=1 m=34
